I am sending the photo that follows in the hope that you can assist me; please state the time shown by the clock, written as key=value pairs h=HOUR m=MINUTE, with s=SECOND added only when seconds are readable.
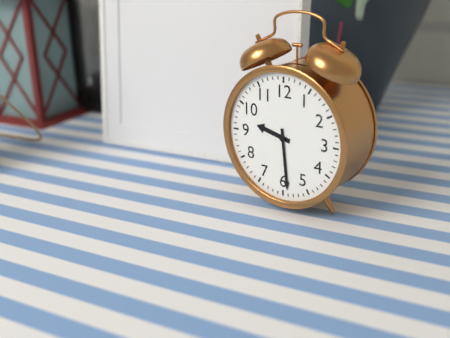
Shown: h=9 m=29
